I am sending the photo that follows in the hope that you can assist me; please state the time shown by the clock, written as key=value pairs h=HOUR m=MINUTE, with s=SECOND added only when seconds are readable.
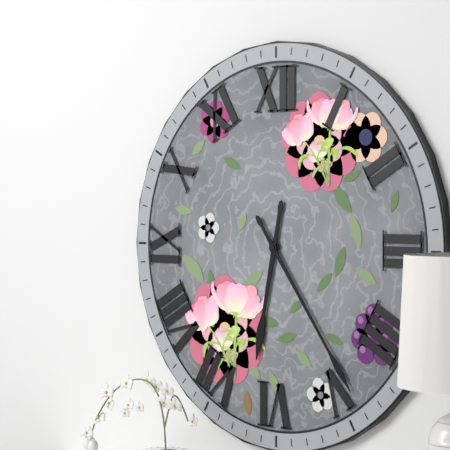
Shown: h=6 m=24
